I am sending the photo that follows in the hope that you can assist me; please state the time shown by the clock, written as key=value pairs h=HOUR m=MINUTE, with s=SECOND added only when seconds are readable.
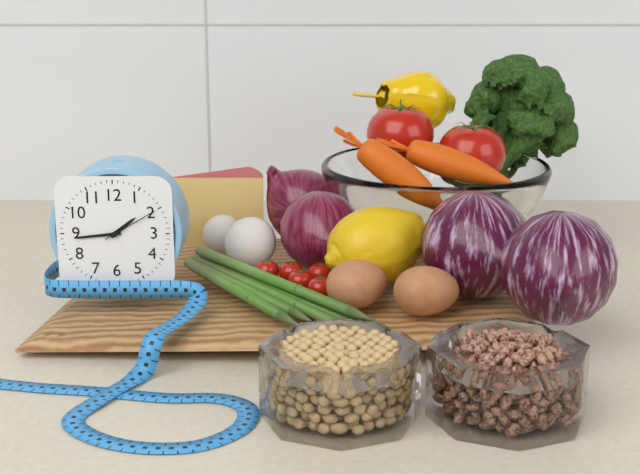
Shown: h=1 m=44 s=10
